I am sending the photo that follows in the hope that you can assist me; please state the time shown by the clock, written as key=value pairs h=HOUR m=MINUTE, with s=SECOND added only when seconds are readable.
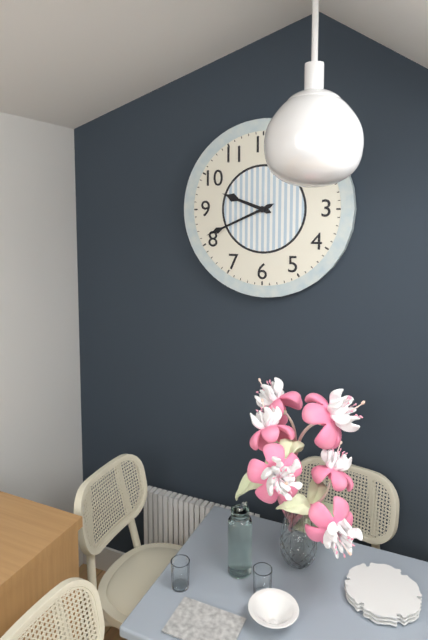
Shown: h=9 m=41
